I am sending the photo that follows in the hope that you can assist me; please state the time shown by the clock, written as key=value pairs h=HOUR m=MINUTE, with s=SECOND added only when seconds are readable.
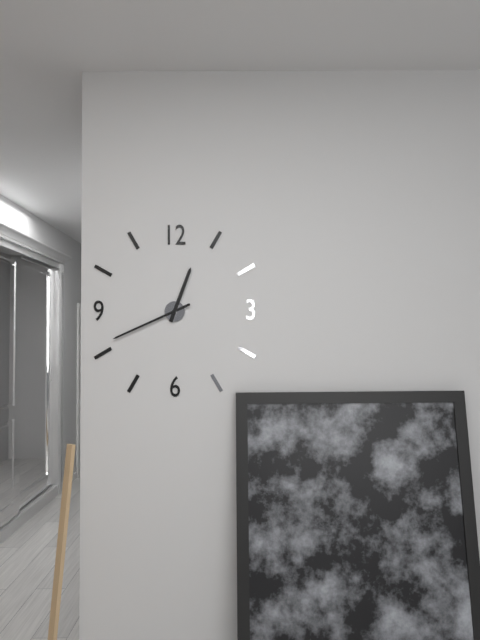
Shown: h=12 m=41
